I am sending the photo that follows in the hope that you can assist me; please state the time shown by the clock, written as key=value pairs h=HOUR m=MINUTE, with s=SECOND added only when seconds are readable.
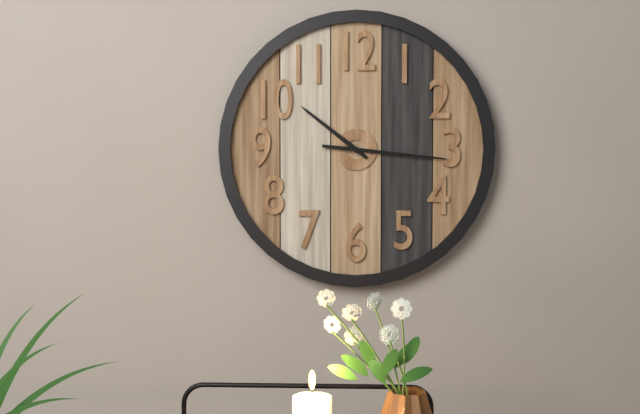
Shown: h=10 m=16
